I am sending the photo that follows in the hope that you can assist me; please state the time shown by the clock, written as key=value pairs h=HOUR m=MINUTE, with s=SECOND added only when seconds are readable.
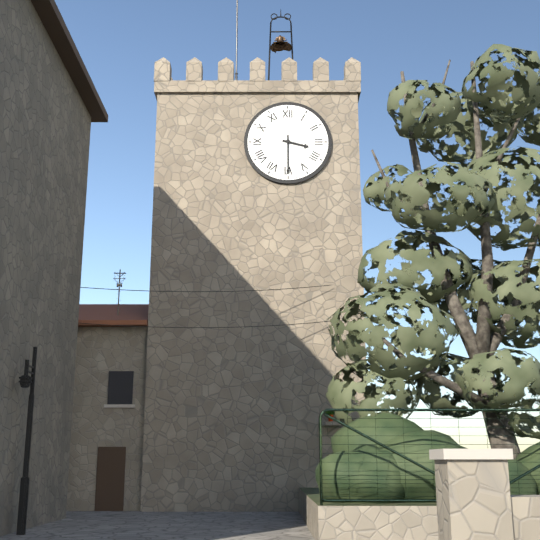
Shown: h=3 m=30
